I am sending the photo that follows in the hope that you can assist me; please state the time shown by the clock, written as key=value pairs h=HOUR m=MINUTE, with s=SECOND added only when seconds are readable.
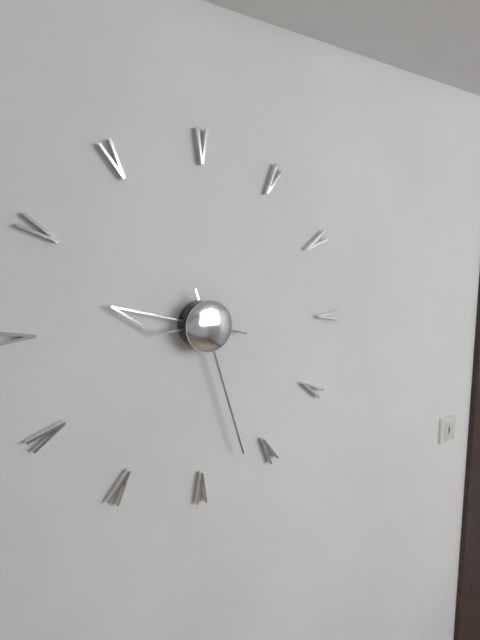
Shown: h=9 m=27
